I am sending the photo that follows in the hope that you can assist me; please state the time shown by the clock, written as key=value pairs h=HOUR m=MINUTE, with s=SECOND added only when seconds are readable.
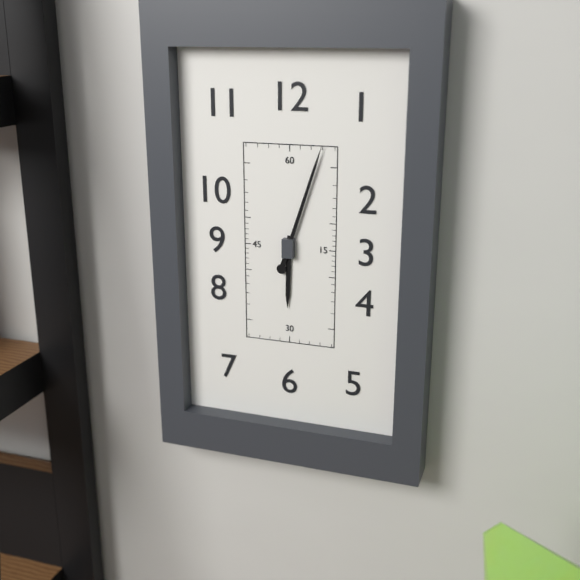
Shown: h=6 m=3
